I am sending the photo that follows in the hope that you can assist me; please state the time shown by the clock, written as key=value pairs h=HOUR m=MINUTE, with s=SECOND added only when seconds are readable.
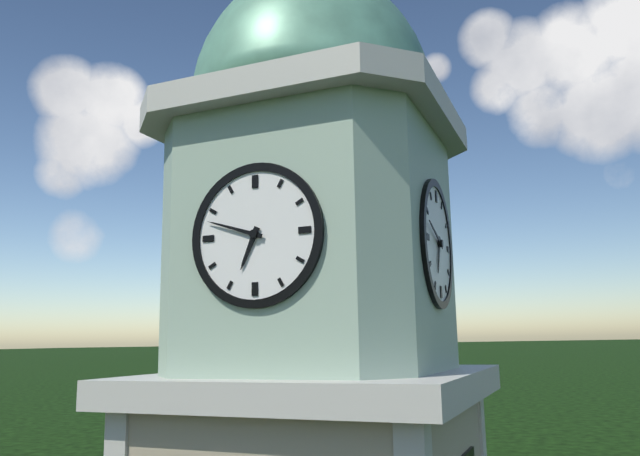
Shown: h=6 m=48
